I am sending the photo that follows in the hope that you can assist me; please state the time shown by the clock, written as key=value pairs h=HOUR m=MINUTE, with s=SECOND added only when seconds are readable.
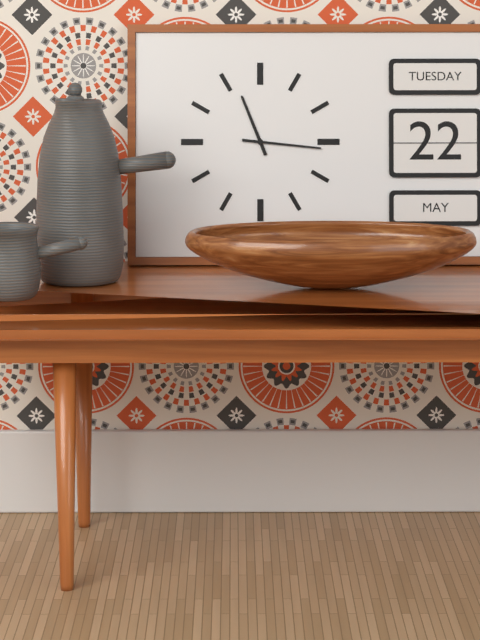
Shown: h=11 m=16
